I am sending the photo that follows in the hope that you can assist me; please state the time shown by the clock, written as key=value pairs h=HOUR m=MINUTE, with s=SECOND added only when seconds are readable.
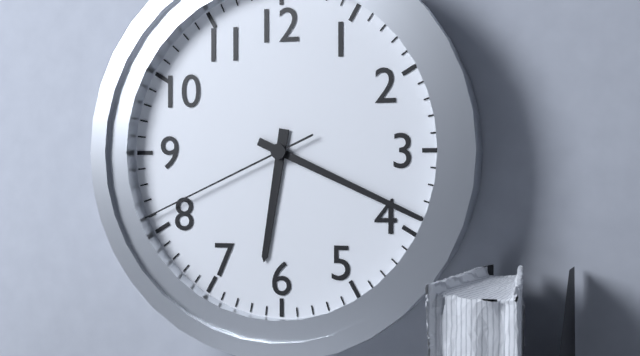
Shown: h=6 m=19 s=41
